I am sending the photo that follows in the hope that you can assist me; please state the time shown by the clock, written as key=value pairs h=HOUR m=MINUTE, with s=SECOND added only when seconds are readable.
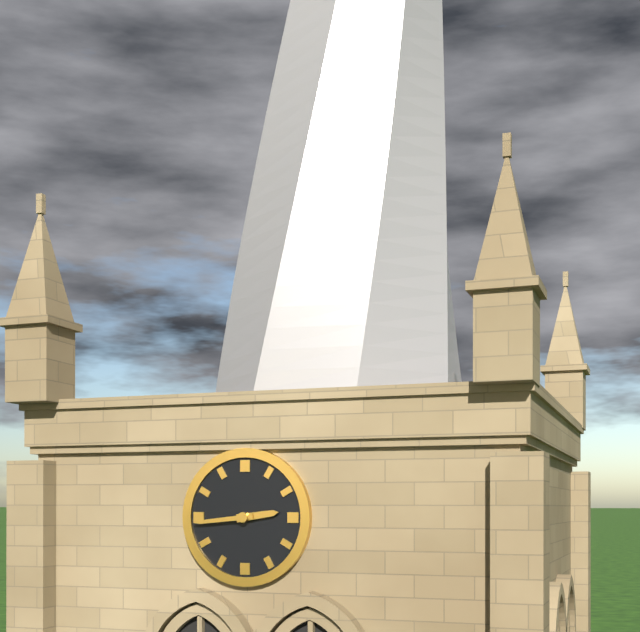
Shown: h=2 m=44
